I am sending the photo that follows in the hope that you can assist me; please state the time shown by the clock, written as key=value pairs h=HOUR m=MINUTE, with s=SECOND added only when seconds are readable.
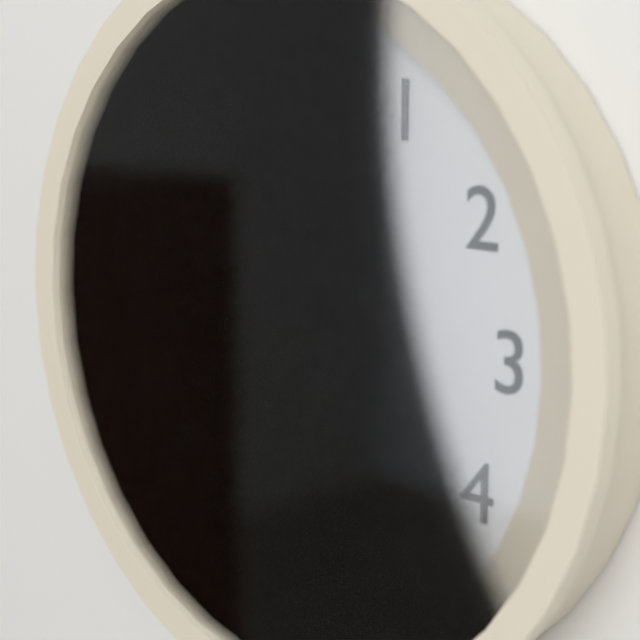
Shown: h=7 m=52 s=2
